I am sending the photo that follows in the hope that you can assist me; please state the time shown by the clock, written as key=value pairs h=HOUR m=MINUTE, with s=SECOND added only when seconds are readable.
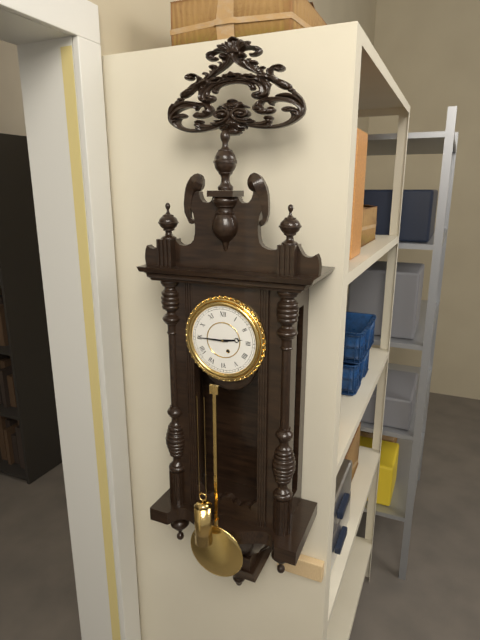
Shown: h=2 m=45
